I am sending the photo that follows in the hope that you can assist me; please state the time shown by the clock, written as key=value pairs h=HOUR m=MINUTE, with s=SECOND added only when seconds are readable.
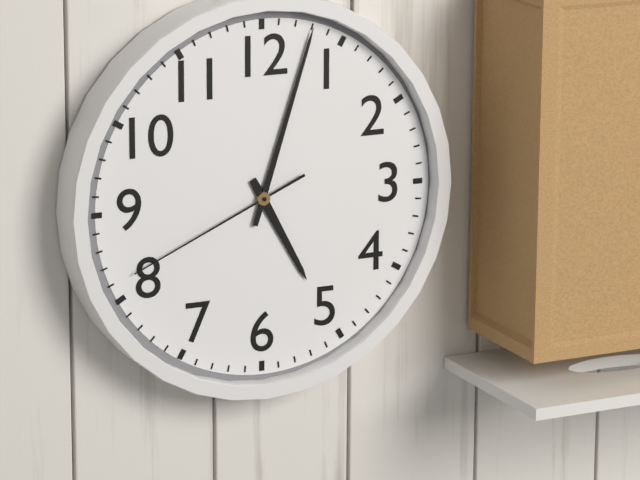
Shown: h=5 m=3 s=41
